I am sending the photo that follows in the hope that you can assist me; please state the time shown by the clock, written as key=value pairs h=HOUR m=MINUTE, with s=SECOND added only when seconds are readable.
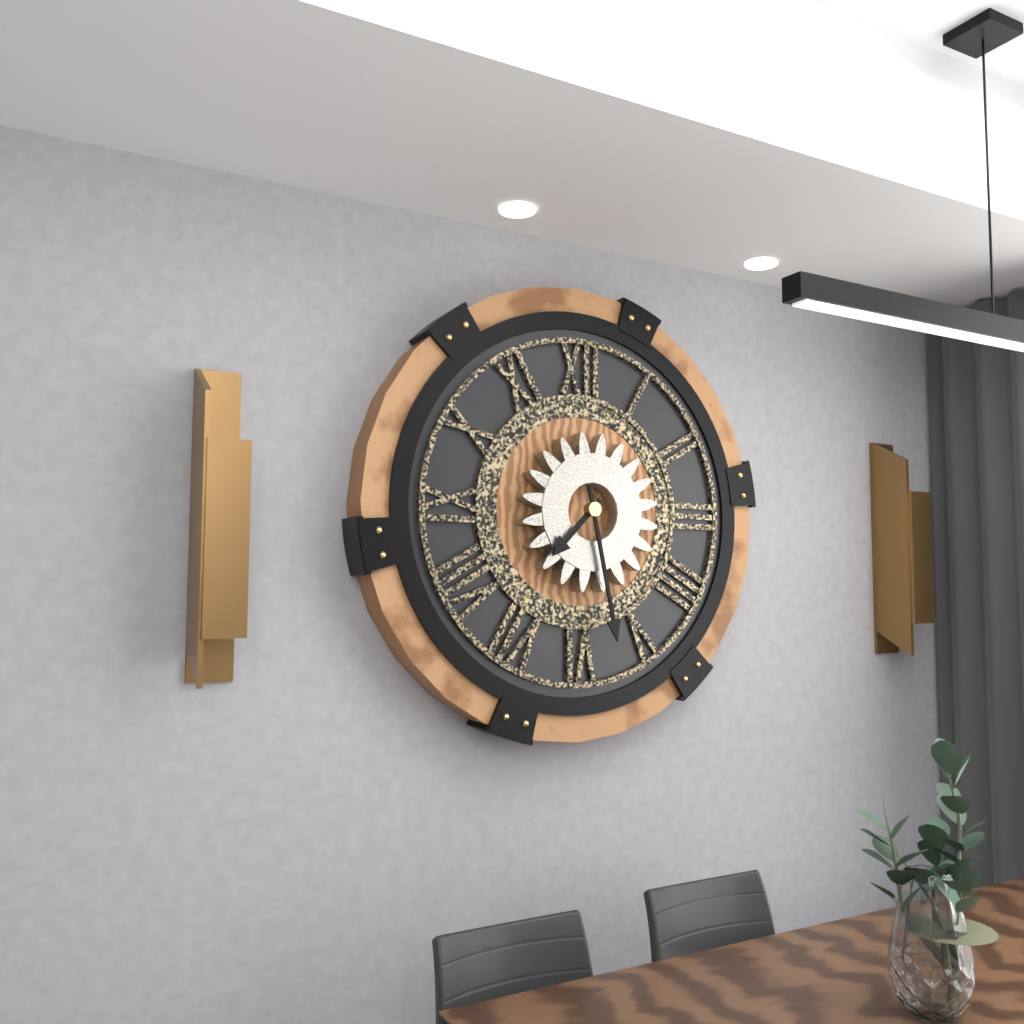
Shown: h=7 m=28
